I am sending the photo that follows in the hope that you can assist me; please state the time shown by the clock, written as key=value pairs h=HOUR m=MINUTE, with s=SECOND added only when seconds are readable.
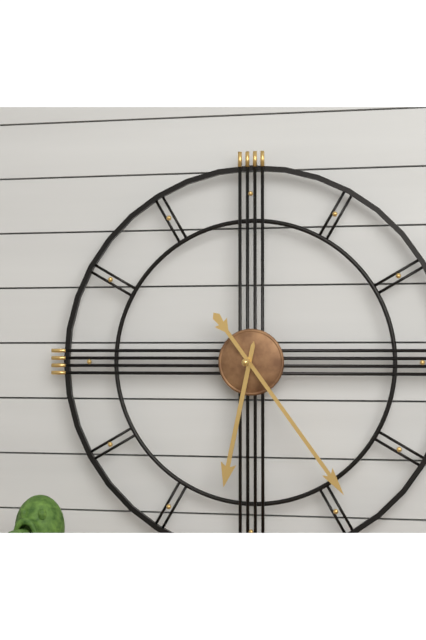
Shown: h=6 m=24
